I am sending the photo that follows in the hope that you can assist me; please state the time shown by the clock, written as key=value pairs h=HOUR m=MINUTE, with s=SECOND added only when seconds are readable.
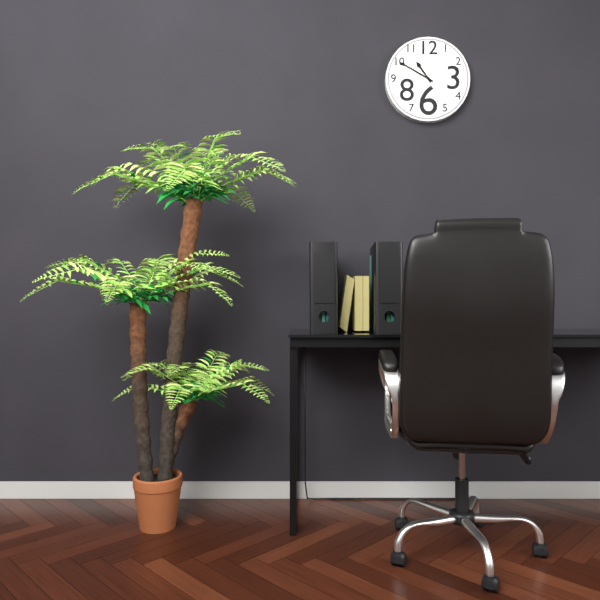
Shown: h=10 m=50
